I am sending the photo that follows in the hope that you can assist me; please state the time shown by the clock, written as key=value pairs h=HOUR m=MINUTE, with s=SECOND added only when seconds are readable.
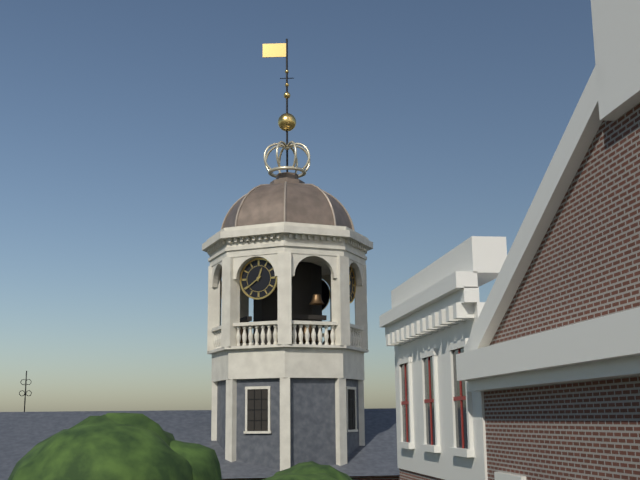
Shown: h=12 m=39
